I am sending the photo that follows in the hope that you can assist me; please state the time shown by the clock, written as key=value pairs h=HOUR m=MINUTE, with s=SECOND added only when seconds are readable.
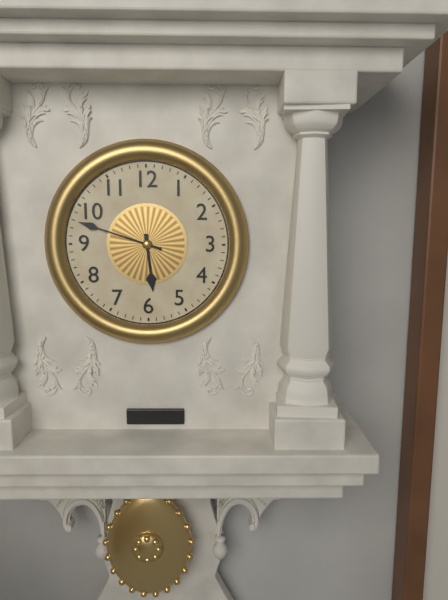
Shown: h=5 m=48
